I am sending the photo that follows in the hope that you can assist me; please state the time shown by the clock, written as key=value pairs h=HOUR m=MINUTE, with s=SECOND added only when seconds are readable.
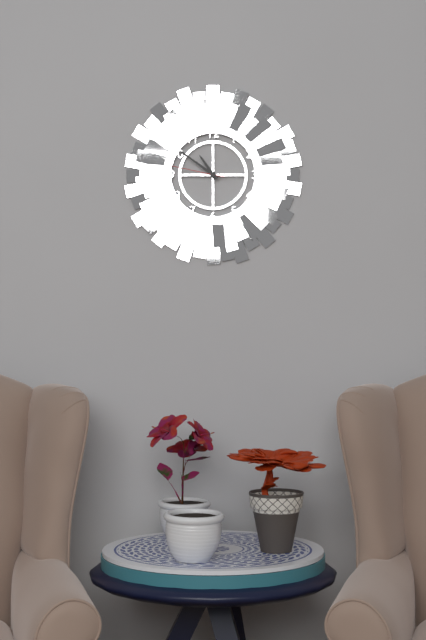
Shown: h=10 m=51 s=47
